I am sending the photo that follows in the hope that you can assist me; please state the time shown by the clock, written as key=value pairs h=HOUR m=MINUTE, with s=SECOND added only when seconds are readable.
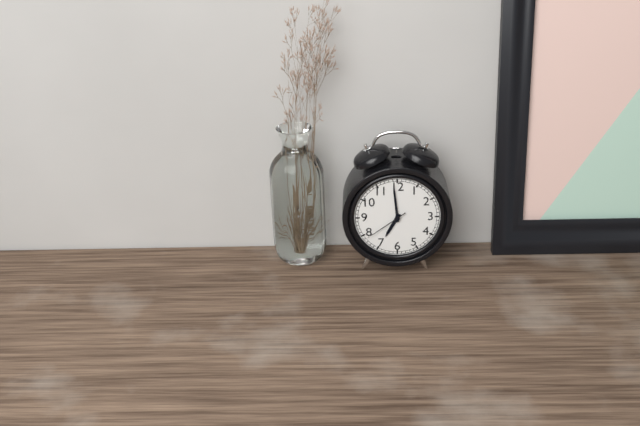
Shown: h=6 m=59
